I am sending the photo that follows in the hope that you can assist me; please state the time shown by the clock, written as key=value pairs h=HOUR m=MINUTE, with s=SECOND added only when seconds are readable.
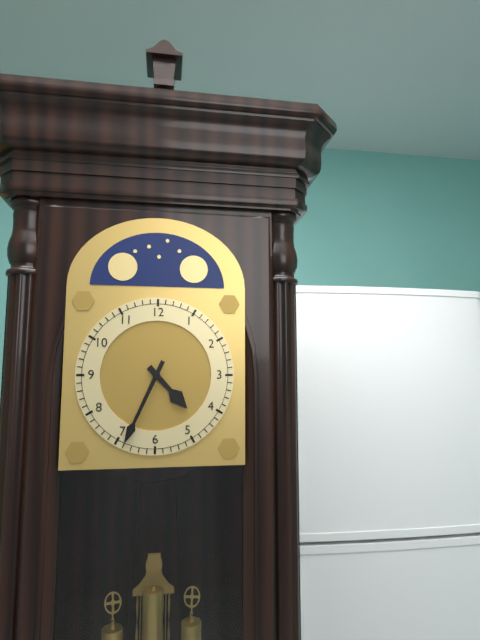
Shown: h=4 m=34
